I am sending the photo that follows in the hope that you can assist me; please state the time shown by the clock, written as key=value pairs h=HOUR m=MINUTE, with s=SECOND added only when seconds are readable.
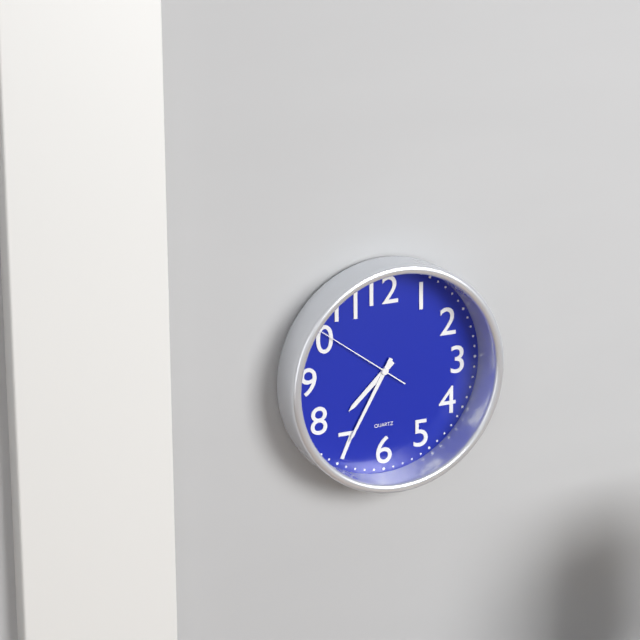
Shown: h=7 m=35 s=51
